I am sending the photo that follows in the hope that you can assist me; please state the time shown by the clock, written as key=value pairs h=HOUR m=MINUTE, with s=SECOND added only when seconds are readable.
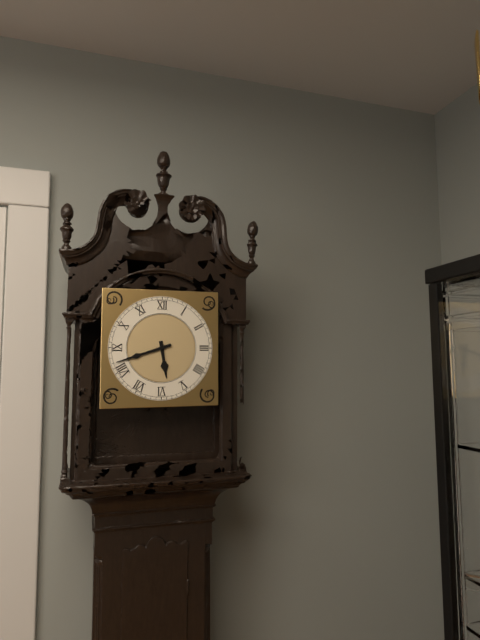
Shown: h=5 m=42
